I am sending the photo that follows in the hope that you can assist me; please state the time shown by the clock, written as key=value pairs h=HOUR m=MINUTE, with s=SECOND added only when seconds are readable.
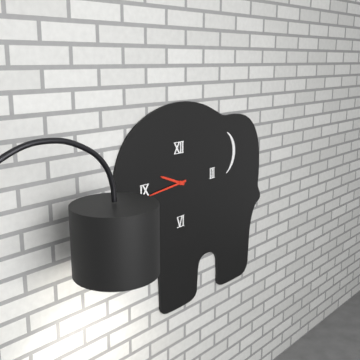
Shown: h=9 m=44
